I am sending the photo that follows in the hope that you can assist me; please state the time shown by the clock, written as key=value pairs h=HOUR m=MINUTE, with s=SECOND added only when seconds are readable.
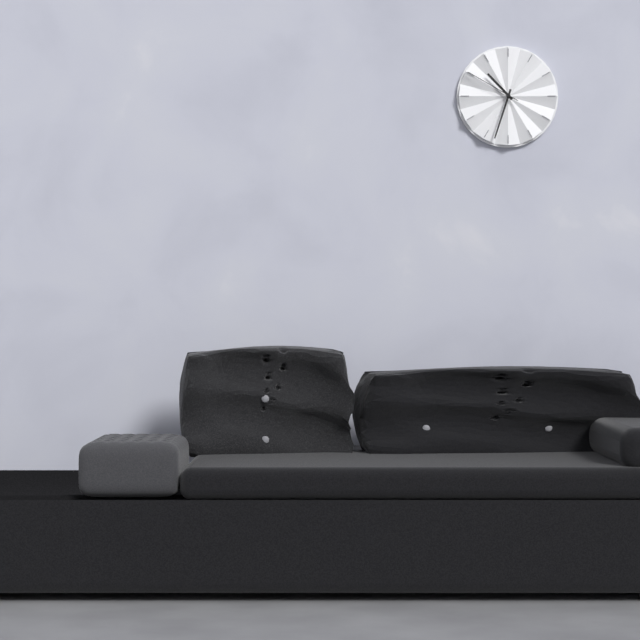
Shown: h=10 m=33 s=50
